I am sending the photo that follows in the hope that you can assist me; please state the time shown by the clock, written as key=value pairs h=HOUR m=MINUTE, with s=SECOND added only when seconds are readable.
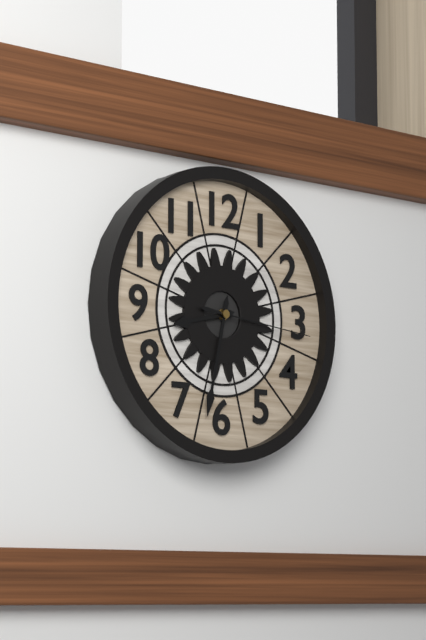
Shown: h=8 m=32 s=16
